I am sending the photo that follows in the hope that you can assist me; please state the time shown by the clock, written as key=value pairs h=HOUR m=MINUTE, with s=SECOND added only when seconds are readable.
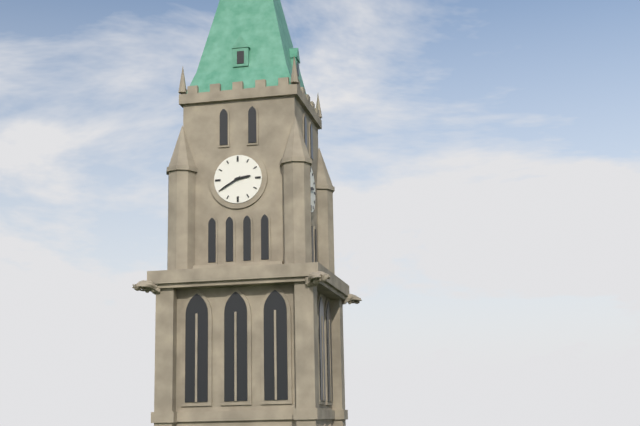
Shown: h=2 m=40
